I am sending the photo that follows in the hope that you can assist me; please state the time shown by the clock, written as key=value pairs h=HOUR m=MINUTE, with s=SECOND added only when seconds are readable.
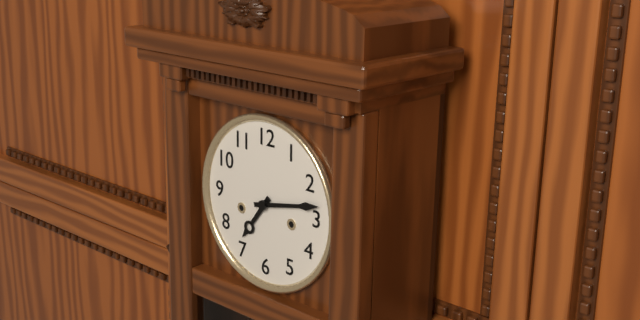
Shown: h=7 m=13
